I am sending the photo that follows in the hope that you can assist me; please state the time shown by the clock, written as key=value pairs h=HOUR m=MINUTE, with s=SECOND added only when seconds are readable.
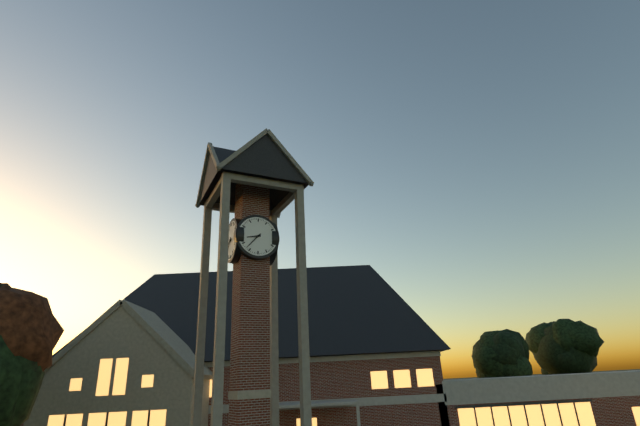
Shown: h=8 m=37
